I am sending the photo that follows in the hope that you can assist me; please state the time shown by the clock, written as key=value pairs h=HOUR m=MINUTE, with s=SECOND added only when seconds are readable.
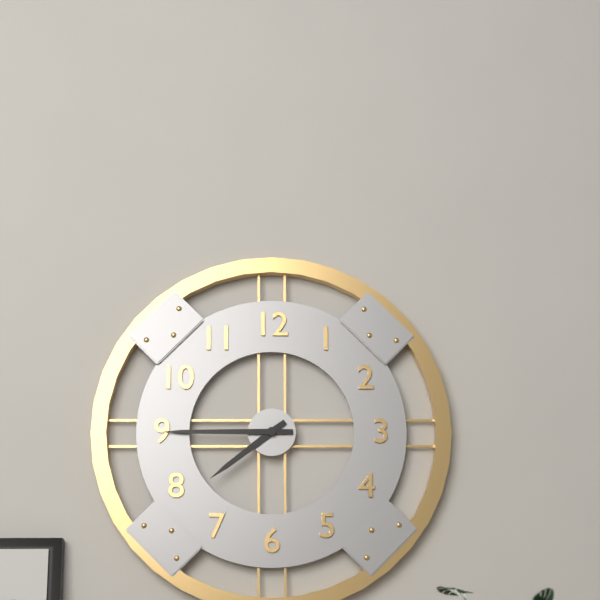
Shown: h=7 m=45
